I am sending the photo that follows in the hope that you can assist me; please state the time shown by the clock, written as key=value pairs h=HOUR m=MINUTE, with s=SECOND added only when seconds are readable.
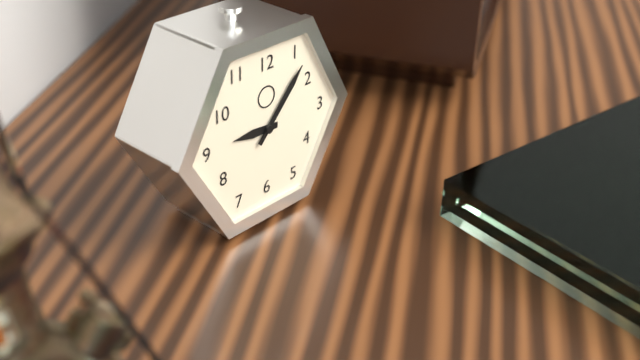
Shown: h=9 m=7
